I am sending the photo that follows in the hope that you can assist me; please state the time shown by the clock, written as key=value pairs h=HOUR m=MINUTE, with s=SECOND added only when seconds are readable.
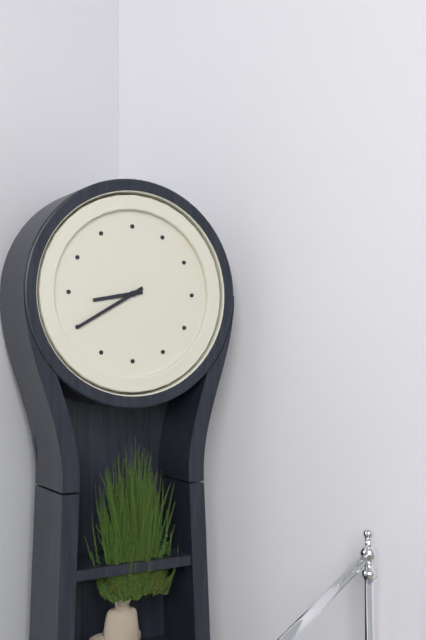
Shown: h=8 m=40
